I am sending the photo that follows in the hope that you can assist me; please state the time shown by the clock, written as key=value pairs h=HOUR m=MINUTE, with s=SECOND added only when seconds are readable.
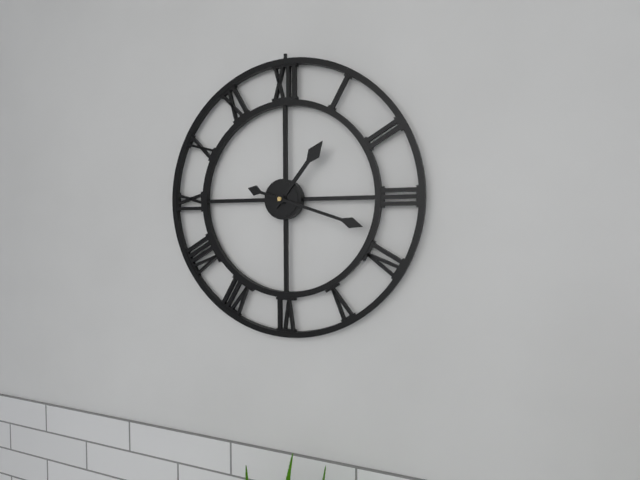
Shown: h=1 m=18
